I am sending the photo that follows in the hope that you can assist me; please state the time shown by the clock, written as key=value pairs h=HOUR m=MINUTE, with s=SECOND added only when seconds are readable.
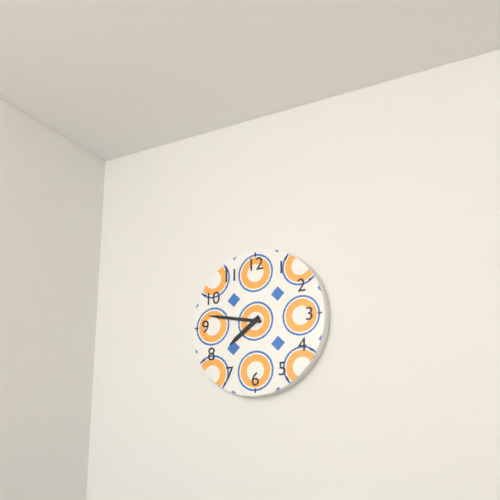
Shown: h=7 m=47
